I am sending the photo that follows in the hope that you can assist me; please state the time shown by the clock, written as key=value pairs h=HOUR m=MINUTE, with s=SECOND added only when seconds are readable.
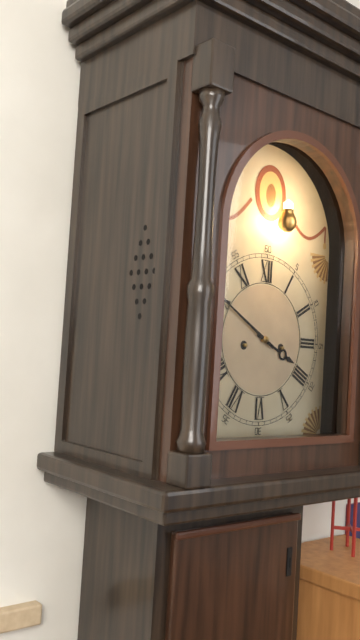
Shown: h=3 m=50
